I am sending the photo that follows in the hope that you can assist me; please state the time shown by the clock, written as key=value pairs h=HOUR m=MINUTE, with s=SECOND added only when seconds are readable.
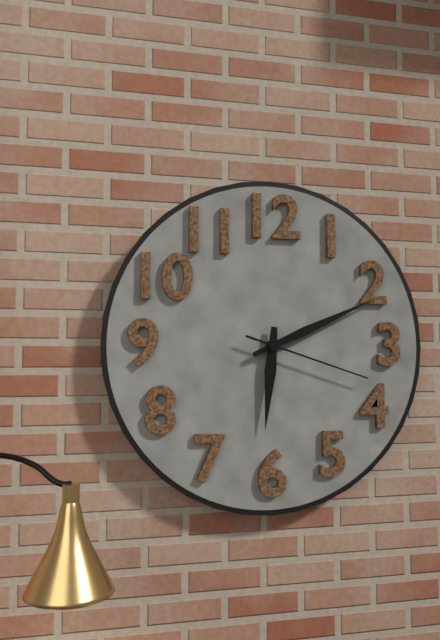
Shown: h=6 m=11 s=18
